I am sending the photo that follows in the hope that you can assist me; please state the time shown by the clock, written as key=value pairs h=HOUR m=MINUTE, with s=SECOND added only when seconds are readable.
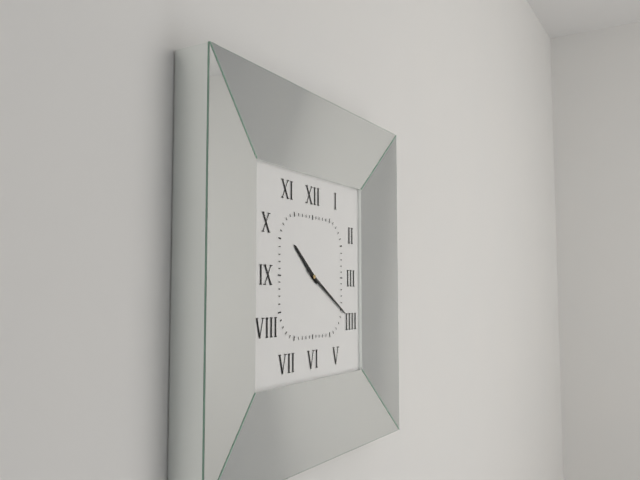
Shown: h=10 m=20
